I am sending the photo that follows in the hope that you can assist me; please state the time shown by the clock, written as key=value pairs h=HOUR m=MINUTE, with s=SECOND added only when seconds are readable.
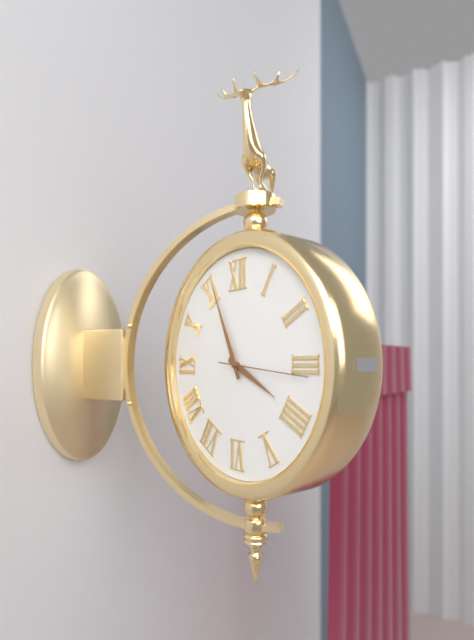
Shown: h=3 m=56 s=16
